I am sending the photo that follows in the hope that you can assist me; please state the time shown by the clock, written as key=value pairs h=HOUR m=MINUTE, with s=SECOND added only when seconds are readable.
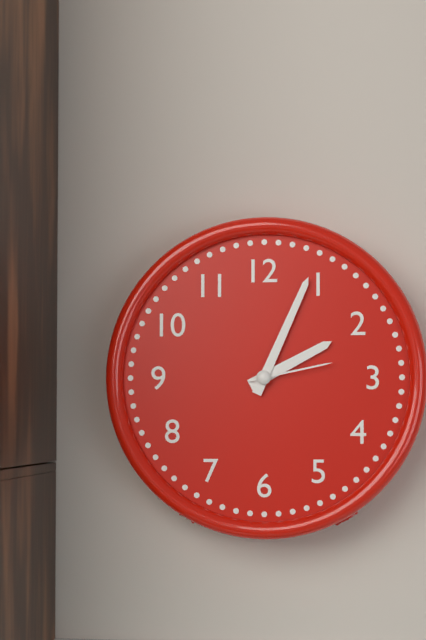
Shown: h=2 m=4 s=13
